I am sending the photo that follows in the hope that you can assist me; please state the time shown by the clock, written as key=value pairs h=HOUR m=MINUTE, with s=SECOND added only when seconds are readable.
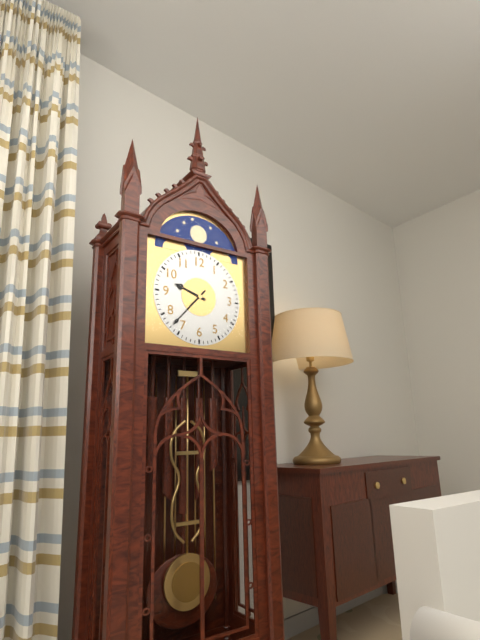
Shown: h=9 m=37
